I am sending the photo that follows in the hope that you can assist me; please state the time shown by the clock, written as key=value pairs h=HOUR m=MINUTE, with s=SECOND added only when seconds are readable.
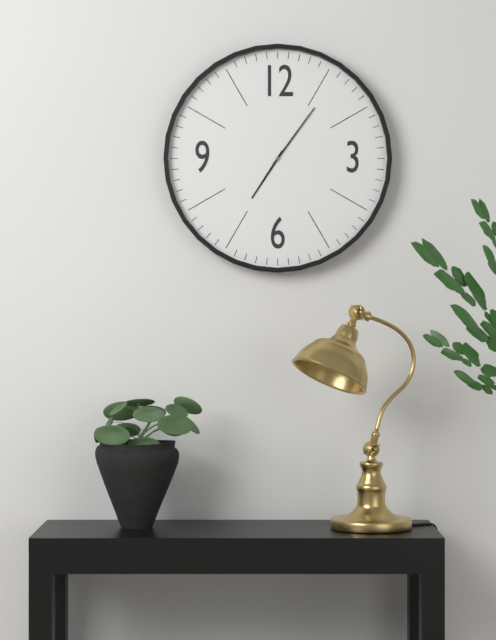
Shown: h=7 m=6
